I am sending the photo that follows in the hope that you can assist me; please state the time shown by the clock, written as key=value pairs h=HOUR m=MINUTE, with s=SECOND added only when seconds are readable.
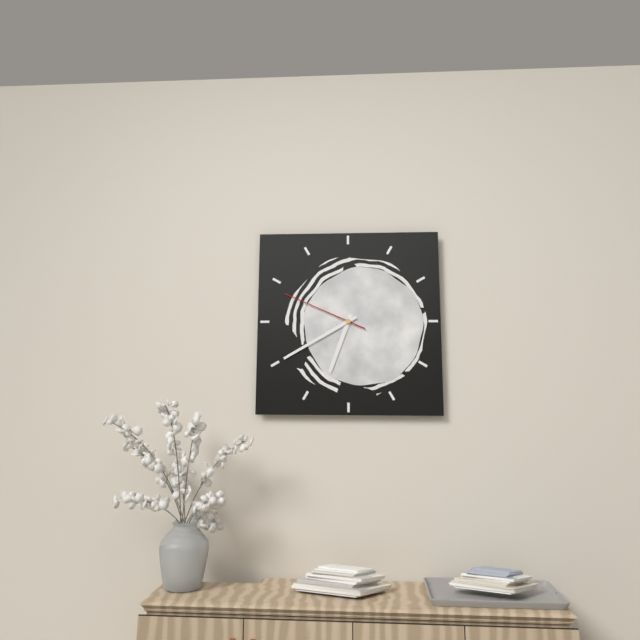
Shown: h=6 m=40 s=49
